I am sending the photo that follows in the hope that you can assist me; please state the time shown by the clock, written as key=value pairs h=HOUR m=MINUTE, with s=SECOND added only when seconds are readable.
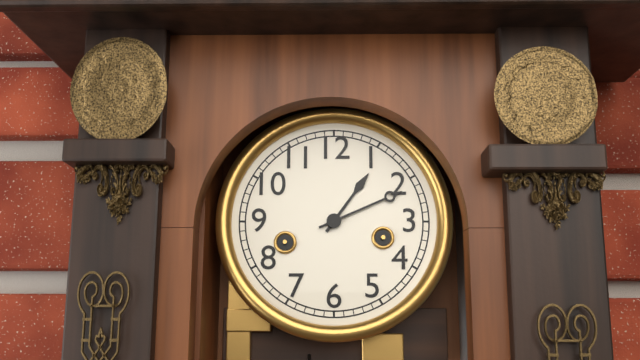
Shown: h=1 m=11
